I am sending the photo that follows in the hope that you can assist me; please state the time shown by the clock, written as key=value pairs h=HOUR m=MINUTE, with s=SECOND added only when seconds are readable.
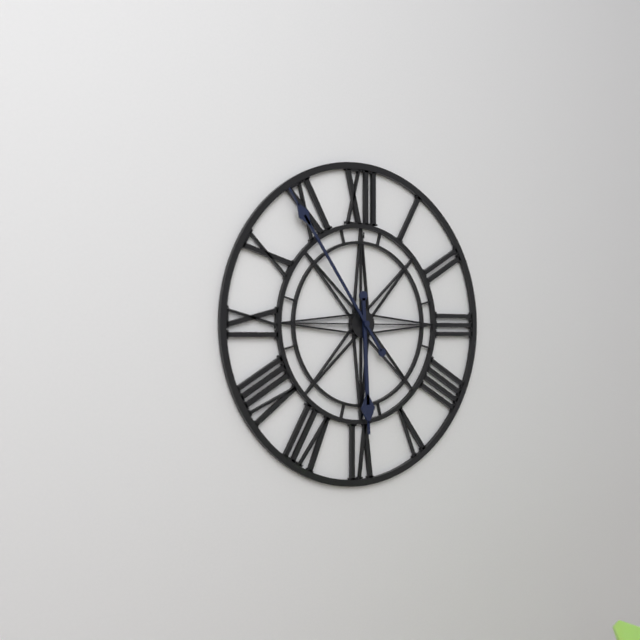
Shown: h=5 m=54
